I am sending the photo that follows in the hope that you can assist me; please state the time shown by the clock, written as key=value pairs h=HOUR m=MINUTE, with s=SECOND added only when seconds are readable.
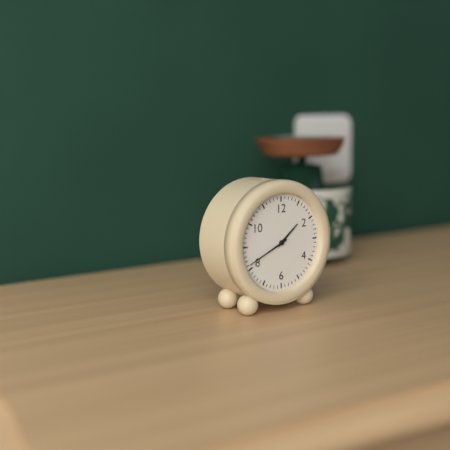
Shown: h=1 m=41
